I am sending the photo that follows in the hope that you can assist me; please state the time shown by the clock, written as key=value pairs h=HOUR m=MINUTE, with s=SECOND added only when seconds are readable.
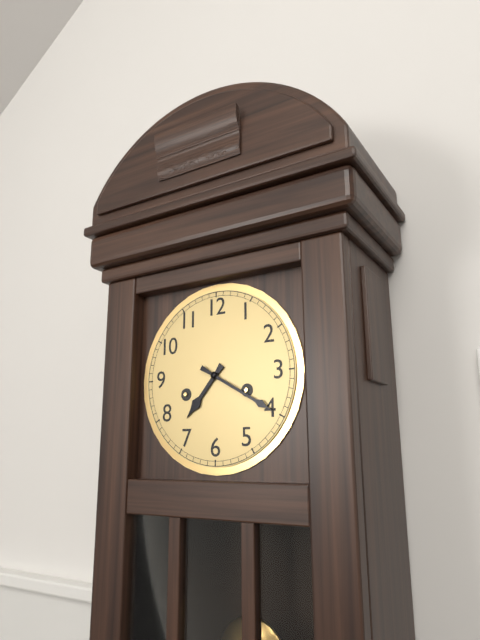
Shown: h=7 m=20
